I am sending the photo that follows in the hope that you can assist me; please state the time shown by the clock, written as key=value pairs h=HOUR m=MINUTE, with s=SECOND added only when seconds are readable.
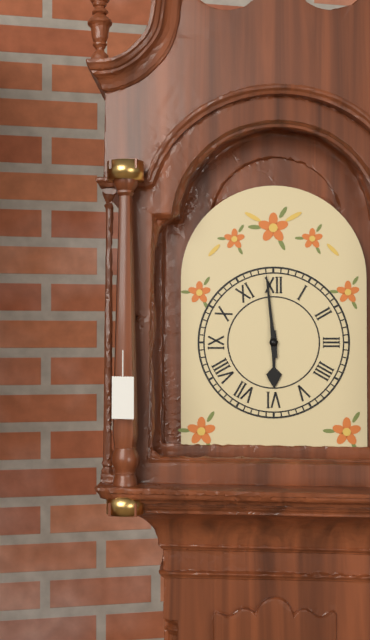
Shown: h=5 m=59
